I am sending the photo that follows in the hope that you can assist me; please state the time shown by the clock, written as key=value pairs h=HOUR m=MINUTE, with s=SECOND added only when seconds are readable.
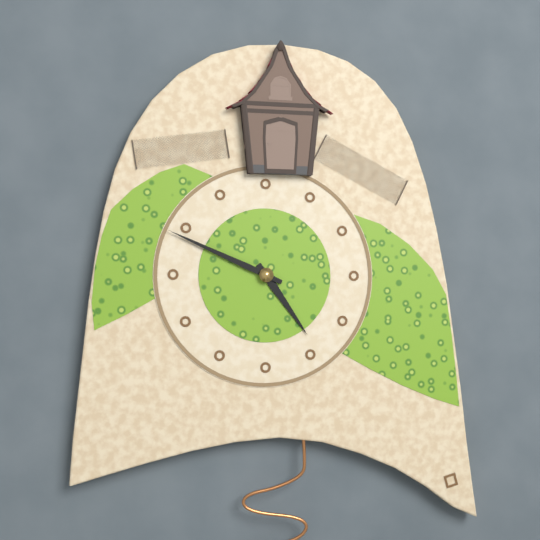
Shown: h=4 m=49
